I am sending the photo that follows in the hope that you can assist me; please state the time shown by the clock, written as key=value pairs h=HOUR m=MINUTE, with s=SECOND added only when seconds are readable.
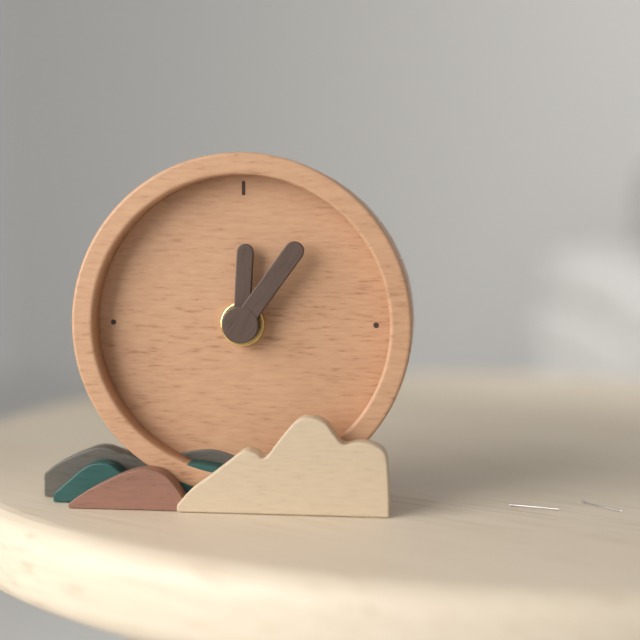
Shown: h=12 m=6
